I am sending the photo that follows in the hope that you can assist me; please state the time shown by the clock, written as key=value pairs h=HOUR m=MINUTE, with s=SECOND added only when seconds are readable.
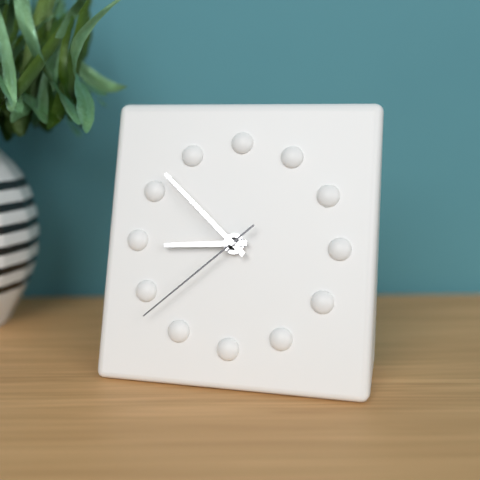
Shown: h=8 m=52 s=38
